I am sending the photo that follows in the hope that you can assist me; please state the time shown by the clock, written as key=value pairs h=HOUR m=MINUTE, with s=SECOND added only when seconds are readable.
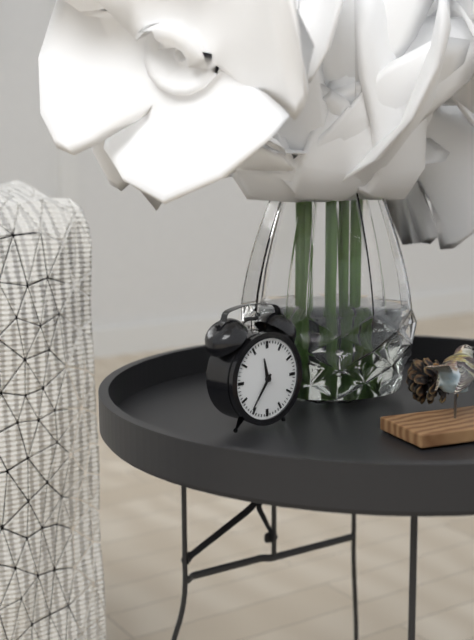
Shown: h=11 m=36
